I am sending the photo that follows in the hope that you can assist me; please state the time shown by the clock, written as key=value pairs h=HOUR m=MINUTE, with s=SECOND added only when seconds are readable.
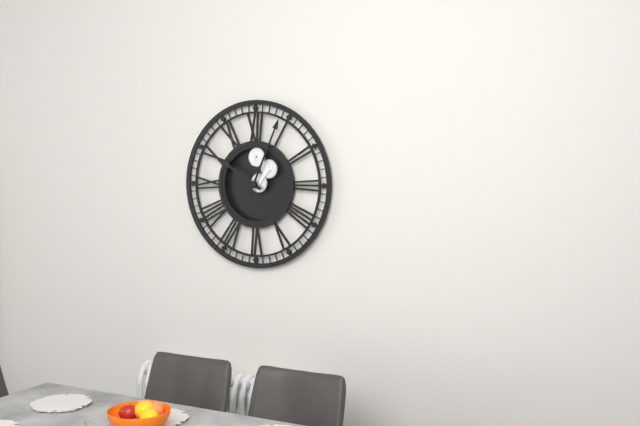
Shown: h=10 m=4
